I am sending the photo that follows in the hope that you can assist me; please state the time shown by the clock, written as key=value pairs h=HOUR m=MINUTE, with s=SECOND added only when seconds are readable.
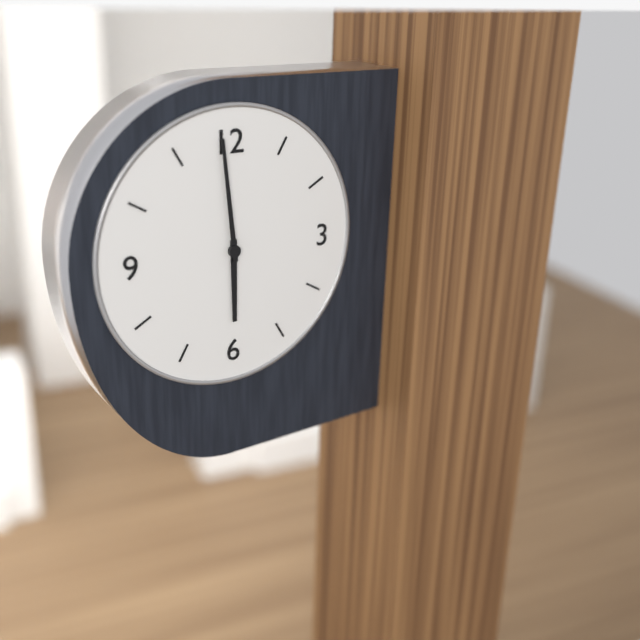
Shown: h=5 m=59
